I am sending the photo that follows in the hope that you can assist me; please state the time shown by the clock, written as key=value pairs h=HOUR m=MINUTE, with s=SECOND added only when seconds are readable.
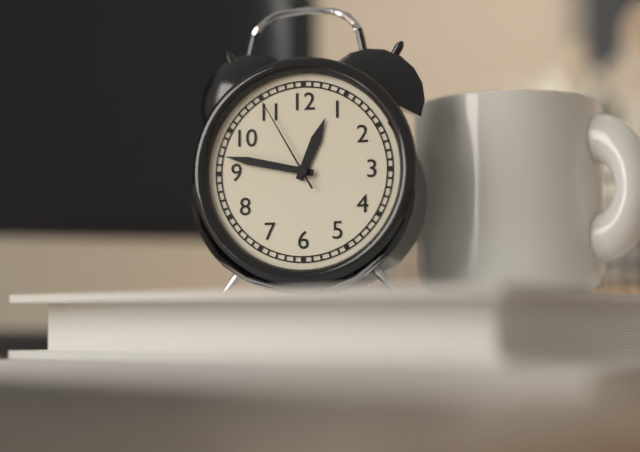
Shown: h=12 m=47 s=55
